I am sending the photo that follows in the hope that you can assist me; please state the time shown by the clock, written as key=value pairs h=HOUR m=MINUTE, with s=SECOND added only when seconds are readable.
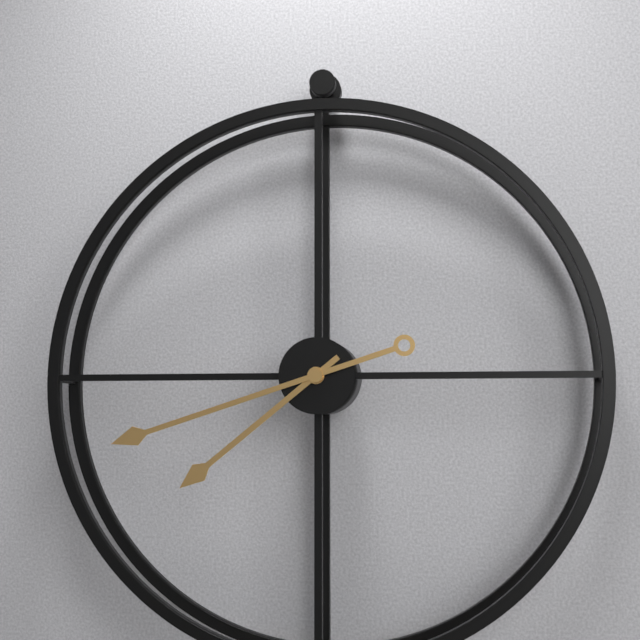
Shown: h=7 m=42
